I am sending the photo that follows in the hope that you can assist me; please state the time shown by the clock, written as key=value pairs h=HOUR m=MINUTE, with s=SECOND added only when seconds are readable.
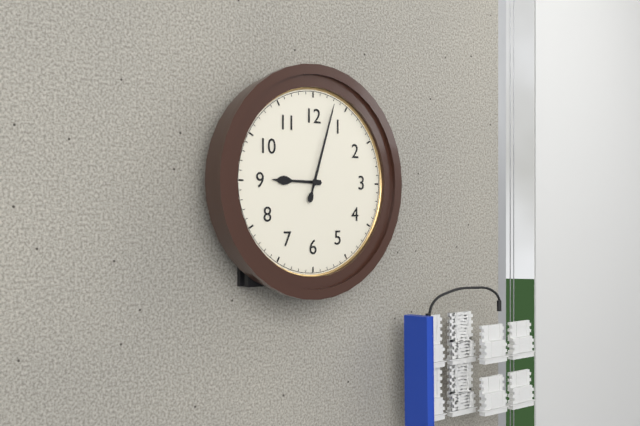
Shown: h=9 m=3
